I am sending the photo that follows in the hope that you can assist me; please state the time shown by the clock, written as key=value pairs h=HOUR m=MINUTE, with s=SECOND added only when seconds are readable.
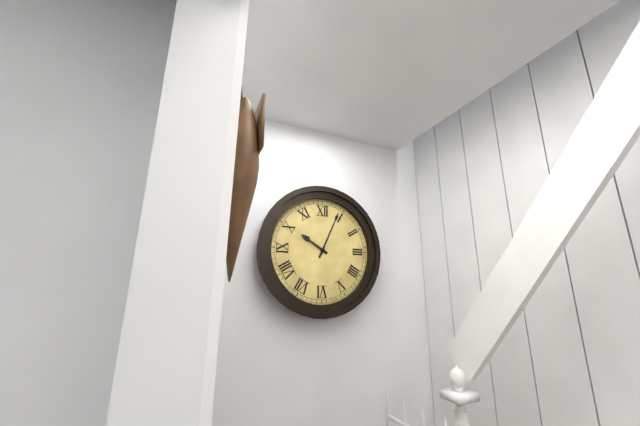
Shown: h=10 m=4
